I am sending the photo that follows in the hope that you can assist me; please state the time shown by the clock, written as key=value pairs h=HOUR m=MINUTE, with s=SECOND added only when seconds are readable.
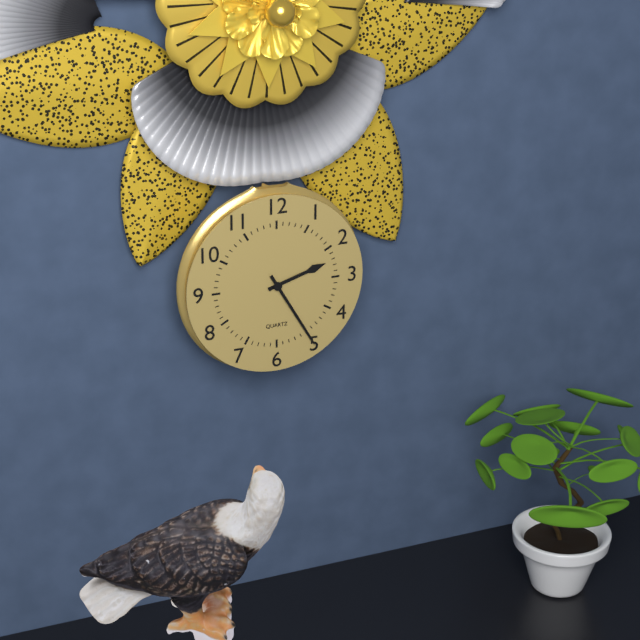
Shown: h=2 m=25
